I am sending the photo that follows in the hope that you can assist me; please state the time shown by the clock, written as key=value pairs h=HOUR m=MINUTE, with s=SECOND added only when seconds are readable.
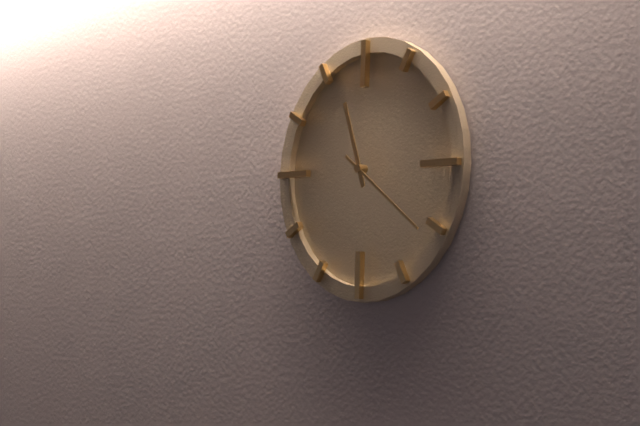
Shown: h=11 m=21
